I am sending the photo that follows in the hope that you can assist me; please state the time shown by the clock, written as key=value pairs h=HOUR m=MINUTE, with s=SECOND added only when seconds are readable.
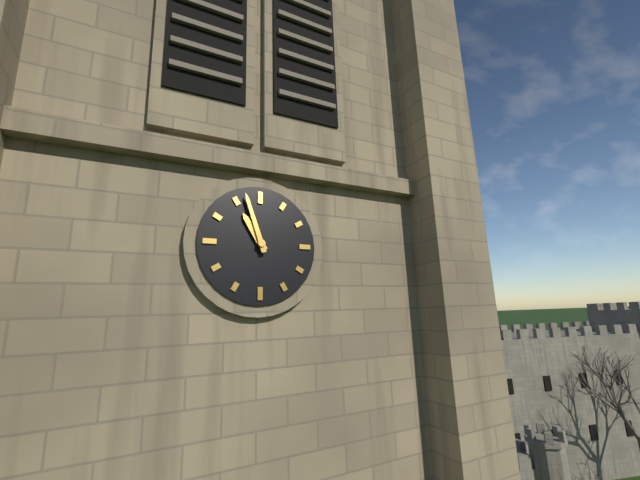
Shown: h=10 m=57
